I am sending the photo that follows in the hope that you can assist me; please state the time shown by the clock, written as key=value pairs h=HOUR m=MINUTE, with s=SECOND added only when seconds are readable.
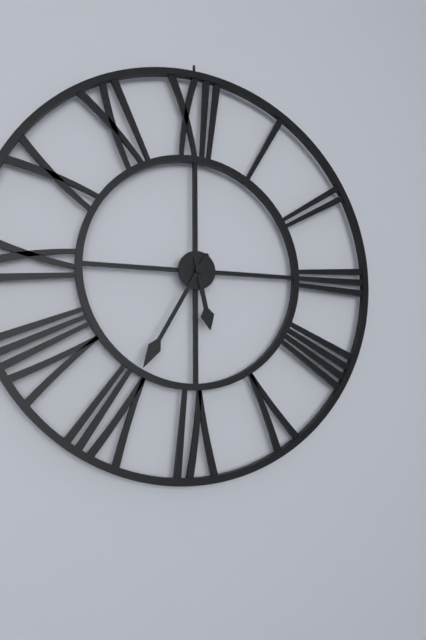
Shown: h=5 m=35
